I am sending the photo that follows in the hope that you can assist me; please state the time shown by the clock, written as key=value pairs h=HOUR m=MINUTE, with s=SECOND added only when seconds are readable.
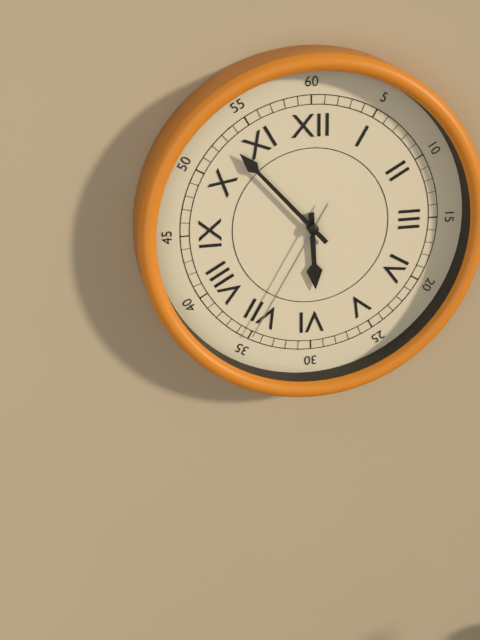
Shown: h=5 m=53 s=35
